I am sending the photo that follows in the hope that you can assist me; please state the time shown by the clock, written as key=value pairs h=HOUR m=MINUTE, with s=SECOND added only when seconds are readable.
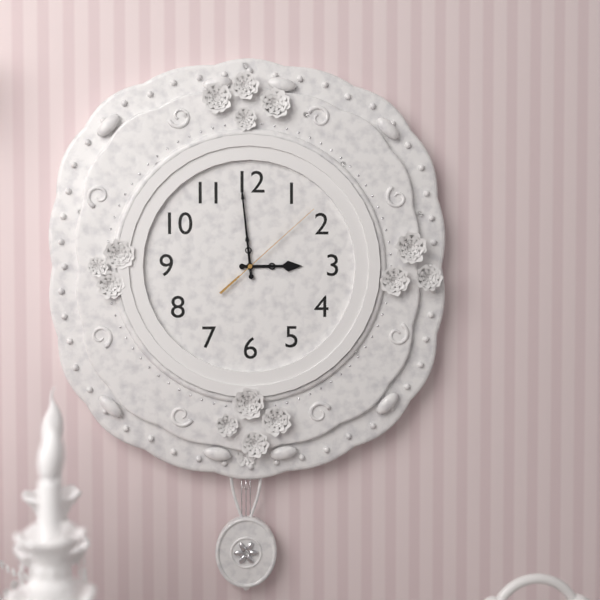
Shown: h=2 m=59 s=8
